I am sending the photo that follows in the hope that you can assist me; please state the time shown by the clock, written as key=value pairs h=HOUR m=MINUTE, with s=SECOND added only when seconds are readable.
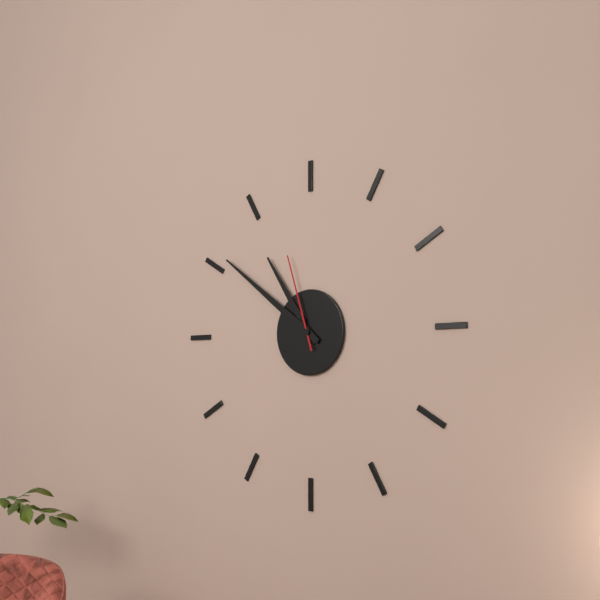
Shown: h=10 m=51 s=57
